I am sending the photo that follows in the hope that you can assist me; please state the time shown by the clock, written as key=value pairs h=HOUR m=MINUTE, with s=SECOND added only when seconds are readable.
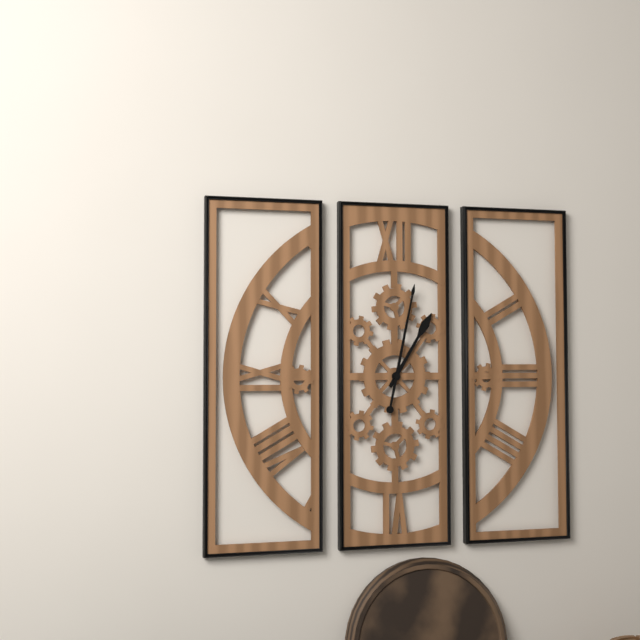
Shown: h=1 m=2
